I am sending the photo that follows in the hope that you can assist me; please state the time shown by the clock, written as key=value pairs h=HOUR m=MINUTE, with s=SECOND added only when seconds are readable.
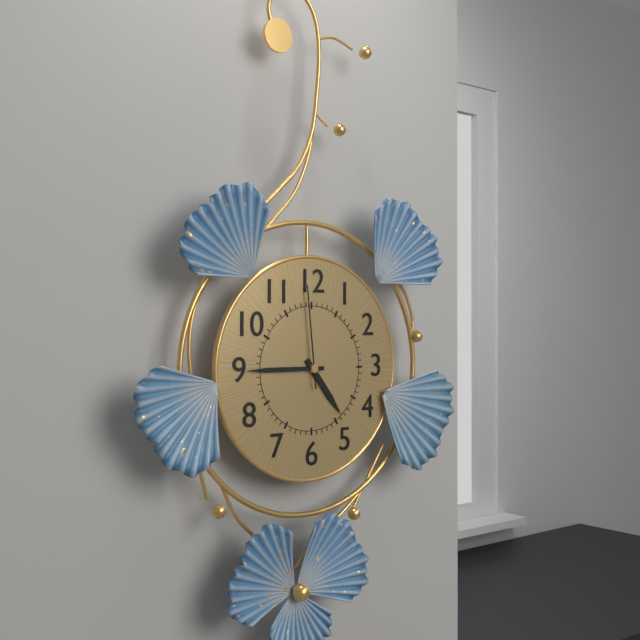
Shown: h=4 m=45 s=59
